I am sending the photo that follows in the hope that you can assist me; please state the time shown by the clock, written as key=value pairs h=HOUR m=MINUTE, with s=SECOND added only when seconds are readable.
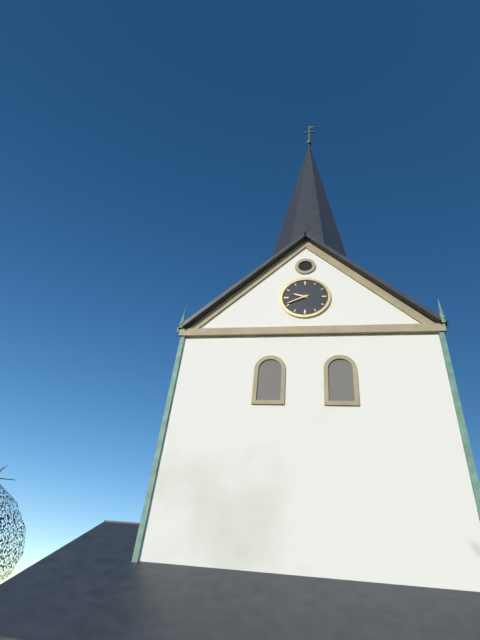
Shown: h=9 m=41
